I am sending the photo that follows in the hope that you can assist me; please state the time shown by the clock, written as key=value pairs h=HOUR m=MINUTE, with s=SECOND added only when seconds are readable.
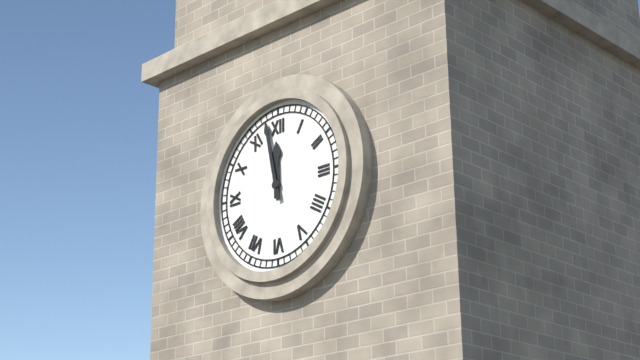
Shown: h=11 m=58
